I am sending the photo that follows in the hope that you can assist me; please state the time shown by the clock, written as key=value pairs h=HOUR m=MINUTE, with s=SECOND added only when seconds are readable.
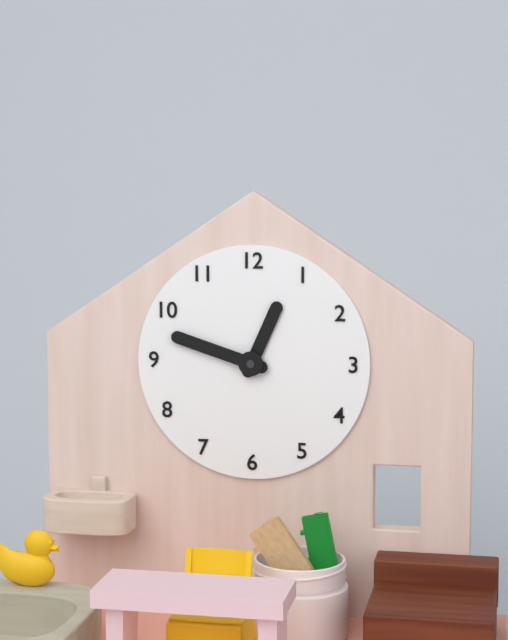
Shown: h=12 m=48
